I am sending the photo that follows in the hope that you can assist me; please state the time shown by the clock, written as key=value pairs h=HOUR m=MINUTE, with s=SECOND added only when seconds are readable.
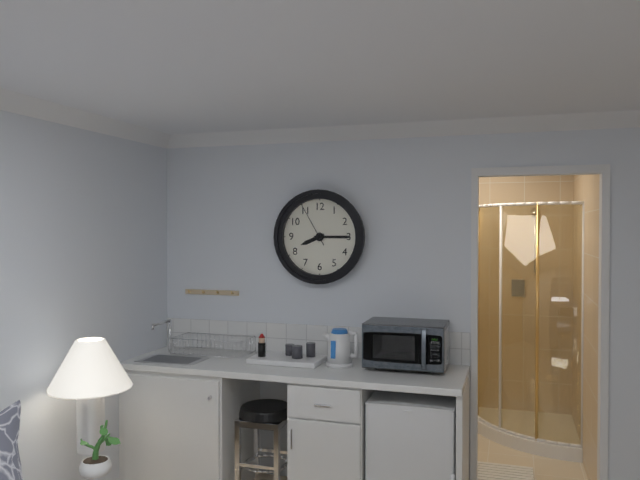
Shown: h=8 m=15
